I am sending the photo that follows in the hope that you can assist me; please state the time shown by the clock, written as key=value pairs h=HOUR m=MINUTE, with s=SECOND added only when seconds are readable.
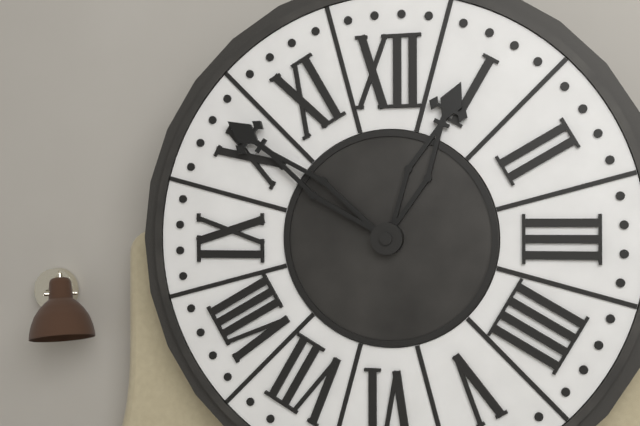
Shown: h=12 m=51
